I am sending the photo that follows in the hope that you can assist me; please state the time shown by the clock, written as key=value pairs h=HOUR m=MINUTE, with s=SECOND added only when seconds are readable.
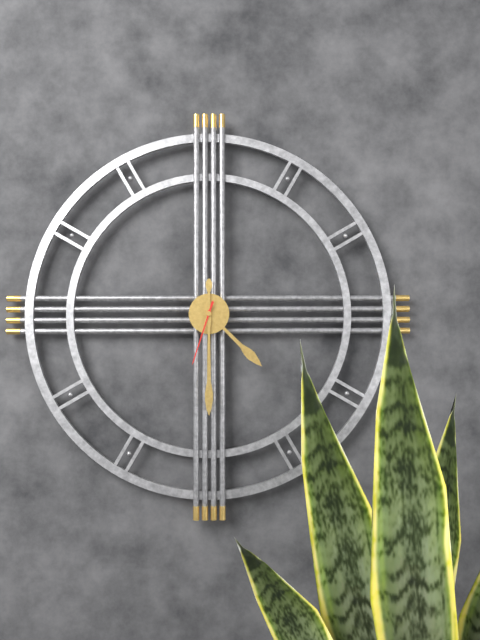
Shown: h=4 m=30 s=33
